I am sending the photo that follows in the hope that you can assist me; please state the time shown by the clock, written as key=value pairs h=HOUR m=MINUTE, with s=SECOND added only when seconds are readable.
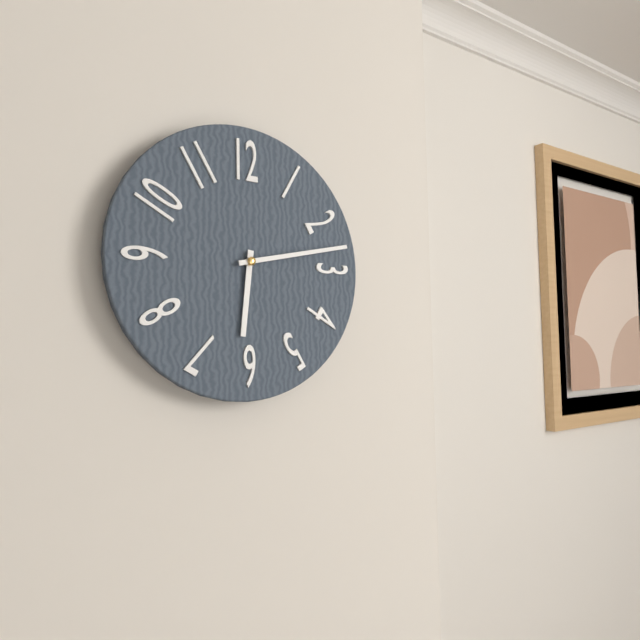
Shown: h=6 m=13
